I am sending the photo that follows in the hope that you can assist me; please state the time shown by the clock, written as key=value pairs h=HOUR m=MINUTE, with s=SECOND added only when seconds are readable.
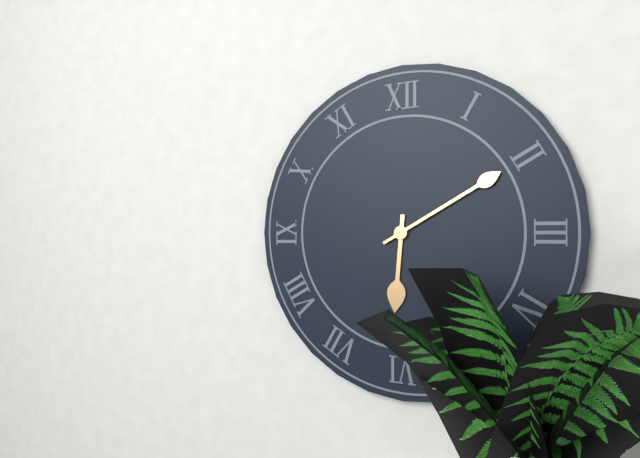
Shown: h=6 m=10
